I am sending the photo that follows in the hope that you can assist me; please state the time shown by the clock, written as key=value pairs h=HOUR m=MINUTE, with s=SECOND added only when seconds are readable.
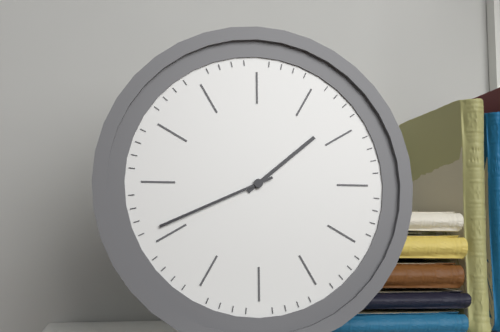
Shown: h=1 m=41
